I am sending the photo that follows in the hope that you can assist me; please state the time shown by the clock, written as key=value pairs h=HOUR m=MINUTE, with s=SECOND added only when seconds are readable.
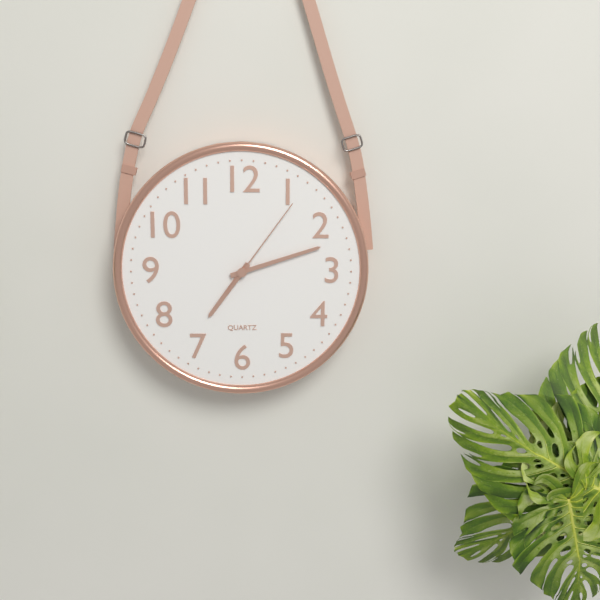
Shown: h=7 m=12 s=6
